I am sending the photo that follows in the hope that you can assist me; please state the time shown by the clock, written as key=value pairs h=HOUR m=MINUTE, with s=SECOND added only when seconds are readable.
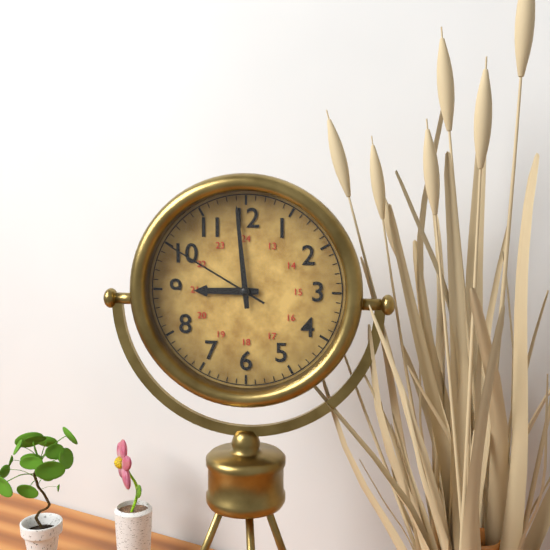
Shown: h=8 m=59 s=50
